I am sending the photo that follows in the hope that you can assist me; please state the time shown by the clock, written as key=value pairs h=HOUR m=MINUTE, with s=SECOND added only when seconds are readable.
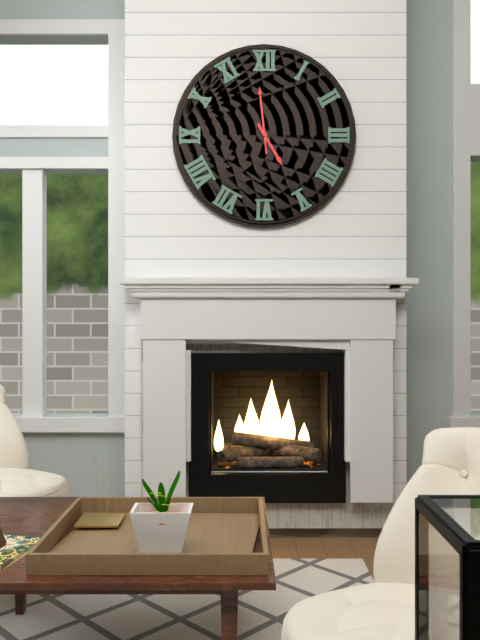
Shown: h=4 m=59
